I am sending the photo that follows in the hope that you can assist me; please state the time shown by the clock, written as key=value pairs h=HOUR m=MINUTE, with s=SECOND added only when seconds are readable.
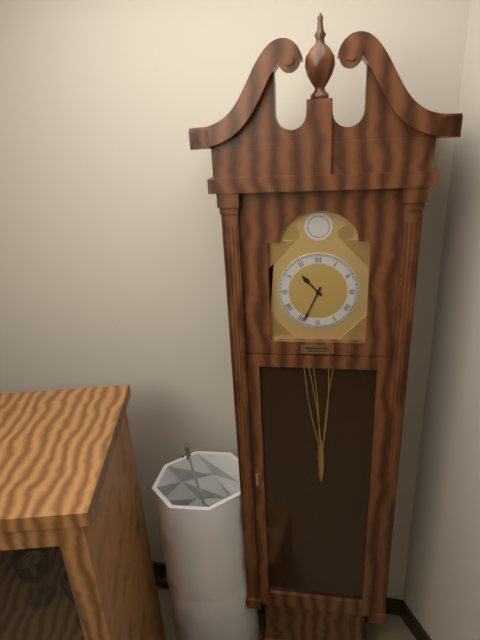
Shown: h=10 m=34
